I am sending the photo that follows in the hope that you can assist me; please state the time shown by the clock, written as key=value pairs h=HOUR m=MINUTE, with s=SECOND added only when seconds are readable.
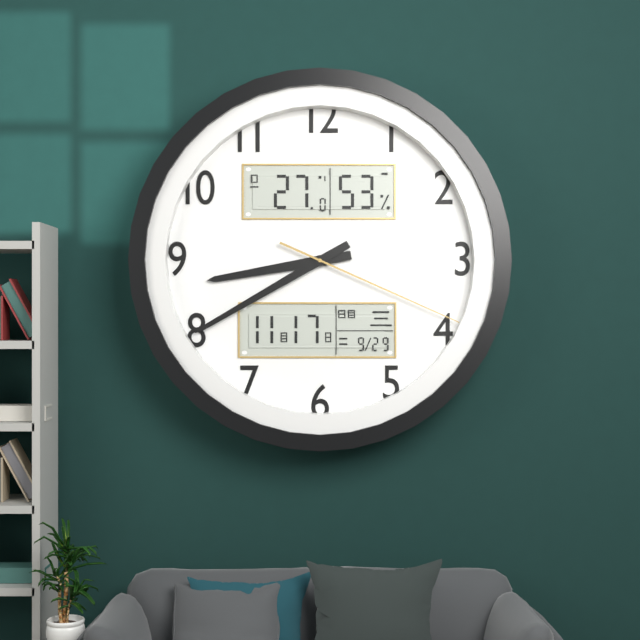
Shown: h=8 m=40 s=19
